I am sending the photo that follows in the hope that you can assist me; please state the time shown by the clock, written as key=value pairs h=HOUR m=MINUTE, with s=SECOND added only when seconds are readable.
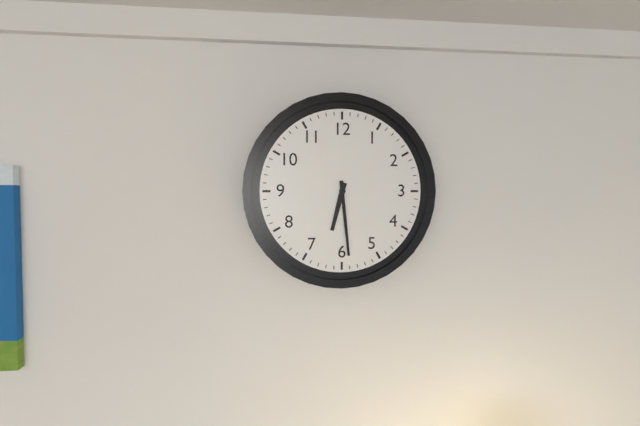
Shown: h=6 m=29
